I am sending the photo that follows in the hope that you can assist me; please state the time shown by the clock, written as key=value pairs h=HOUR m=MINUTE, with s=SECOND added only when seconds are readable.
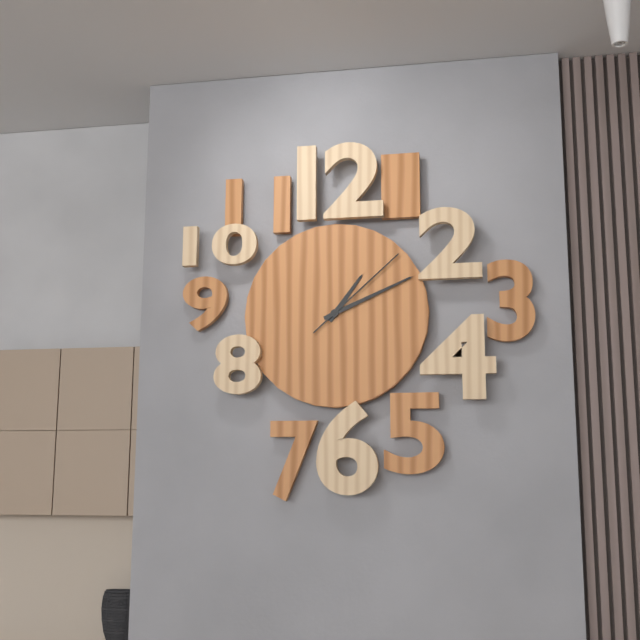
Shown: h=1 m=11 s=8
